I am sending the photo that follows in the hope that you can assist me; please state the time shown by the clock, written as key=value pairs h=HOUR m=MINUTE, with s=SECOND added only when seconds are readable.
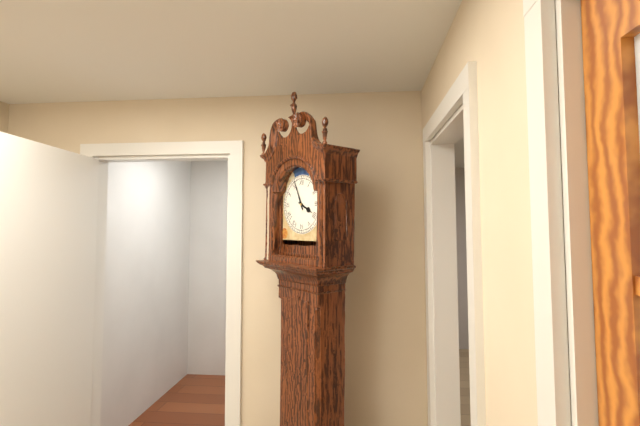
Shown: h=3 m=56
